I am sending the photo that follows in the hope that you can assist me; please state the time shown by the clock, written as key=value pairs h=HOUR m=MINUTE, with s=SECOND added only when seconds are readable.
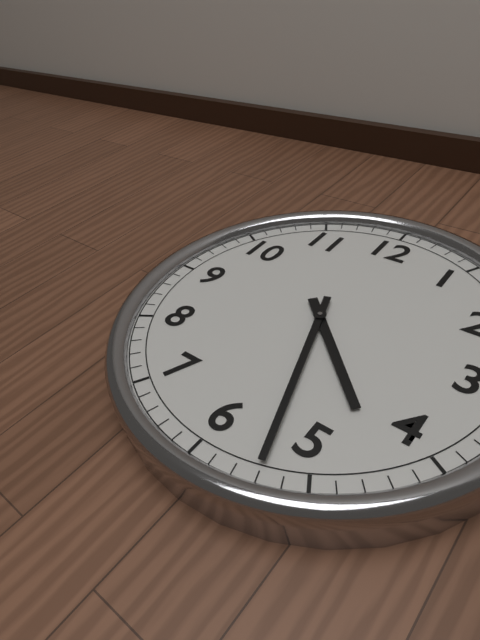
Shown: h=4 m=27
